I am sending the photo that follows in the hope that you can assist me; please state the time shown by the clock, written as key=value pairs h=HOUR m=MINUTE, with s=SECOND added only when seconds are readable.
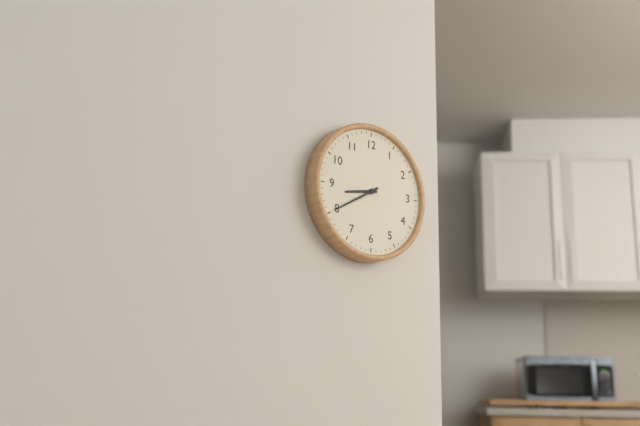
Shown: h=8 m=40
